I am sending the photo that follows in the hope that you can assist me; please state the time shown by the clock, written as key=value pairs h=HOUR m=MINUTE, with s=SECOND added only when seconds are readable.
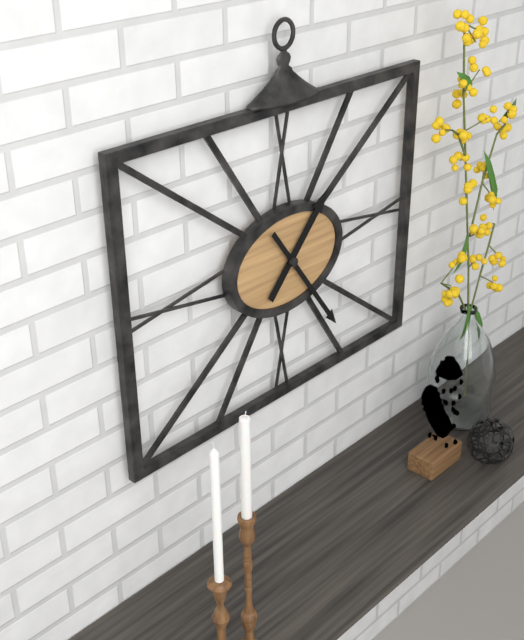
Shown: h=1 m=24
